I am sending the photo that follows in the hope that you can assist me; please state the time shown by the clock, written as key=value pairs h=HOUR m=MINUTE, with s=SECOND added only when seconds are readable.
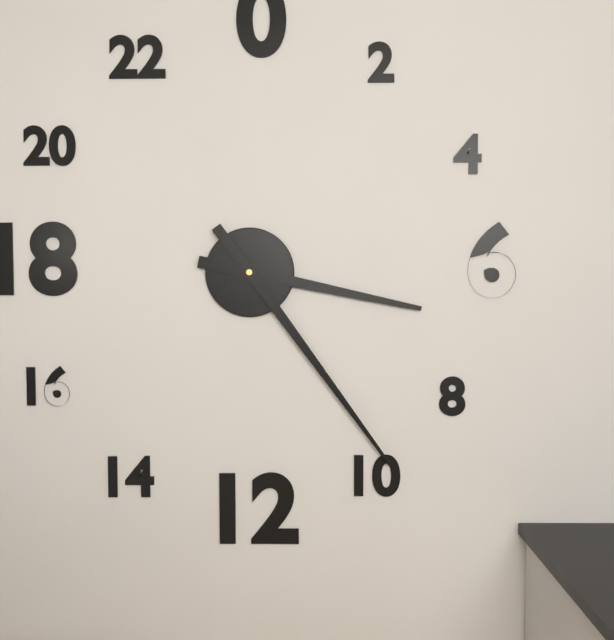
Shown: h=3 m=24
